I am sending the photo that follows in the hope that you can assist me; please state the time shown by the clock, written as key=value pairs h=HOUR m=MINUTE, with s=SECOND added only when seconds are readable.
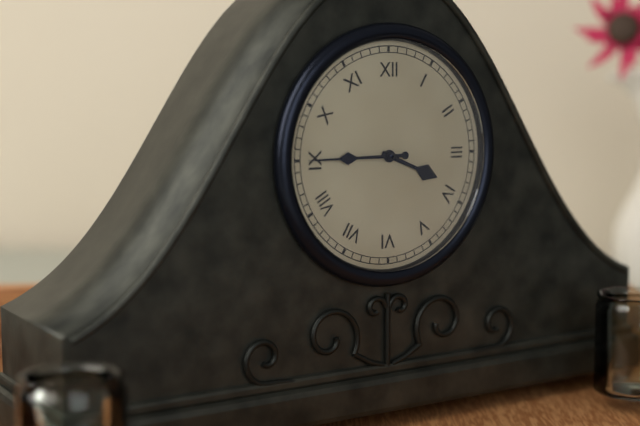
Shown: h=3 m=45
